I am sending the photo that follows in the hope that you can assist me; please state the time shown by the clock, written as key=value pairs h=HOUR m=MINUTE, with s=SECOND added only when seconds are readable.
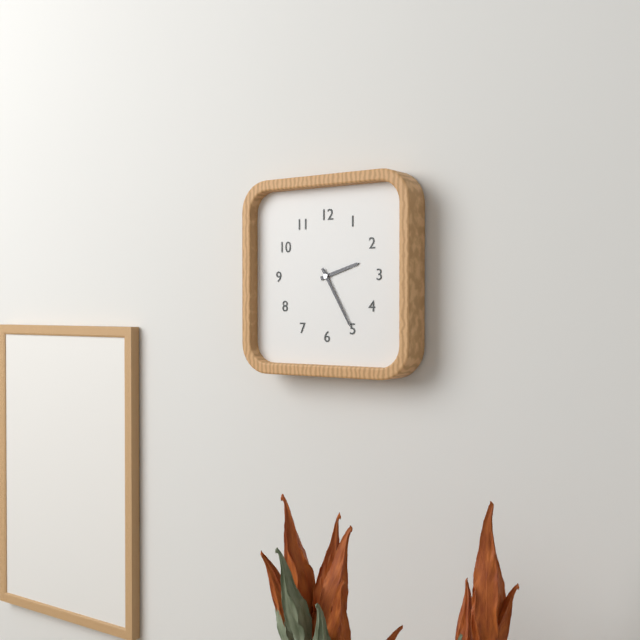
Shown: h=2 m=25
